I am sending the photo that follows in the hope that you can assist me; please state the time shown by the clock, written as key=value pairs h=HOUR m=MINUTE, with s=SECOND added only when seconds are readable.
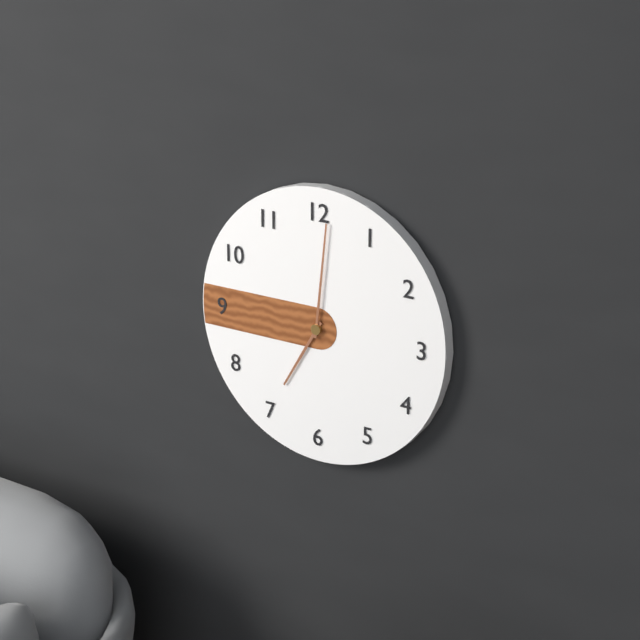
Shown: h=7 m=1
